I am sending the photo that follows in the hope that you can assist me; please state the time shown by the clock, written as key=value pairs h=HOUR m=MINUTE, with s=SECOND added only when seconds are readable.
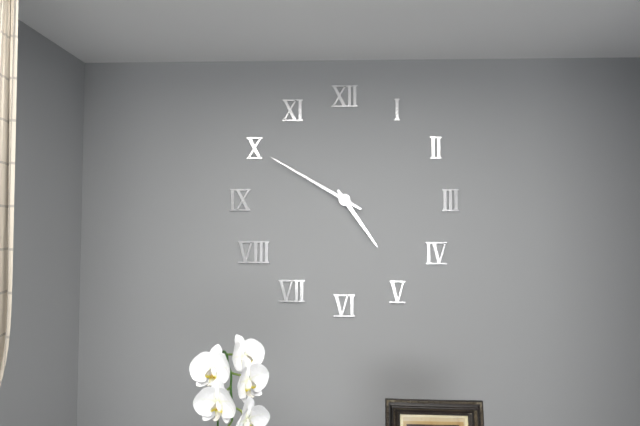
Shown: h=4 m=50
